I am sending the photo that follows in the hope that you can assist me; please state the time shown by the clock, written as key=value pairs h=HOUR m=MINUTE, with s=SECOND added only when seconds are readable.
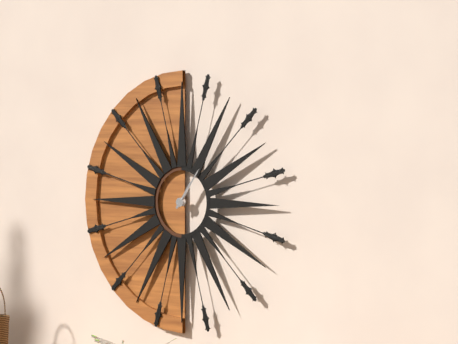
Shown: h=1 m=6
